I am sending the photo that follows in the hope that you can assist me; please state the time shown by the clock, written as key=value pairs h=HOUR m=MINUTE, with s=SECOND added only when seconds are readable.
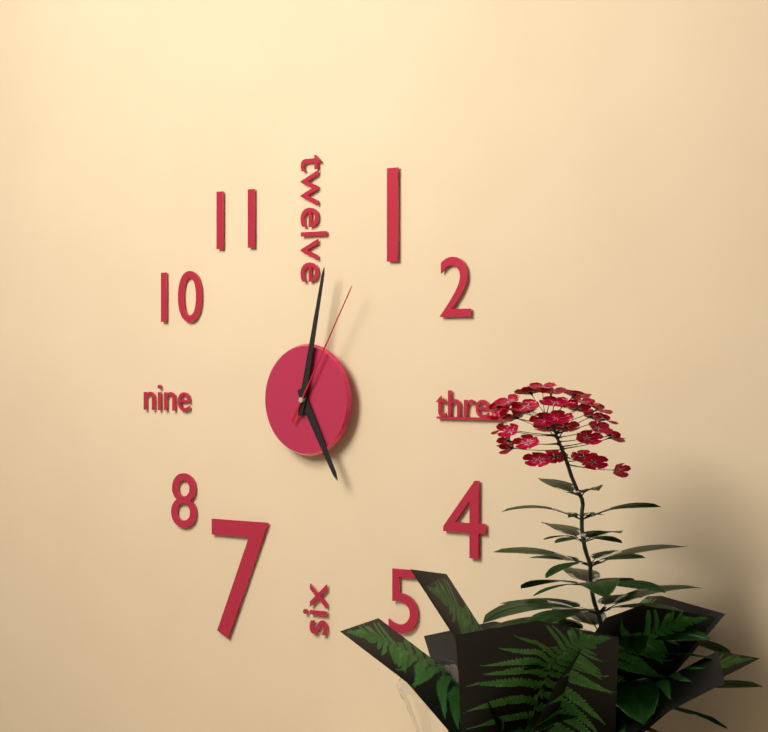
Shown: h=5 m=2 s=5
